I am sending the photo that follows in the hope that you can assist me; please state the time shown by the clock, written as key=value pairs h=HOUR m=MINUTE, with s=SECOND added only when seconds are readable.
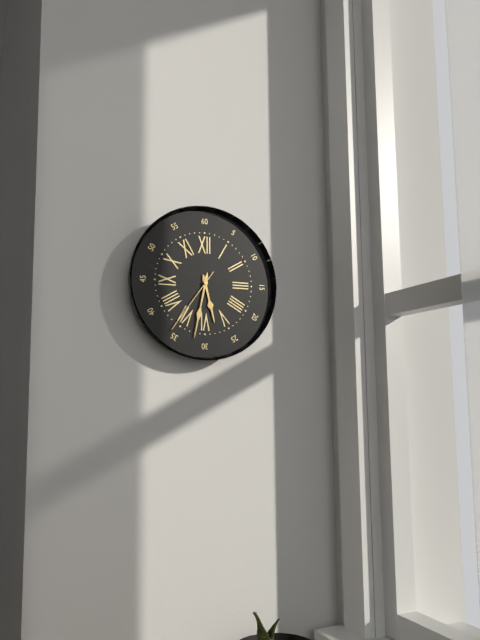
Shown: h=5 m=32 s=36
